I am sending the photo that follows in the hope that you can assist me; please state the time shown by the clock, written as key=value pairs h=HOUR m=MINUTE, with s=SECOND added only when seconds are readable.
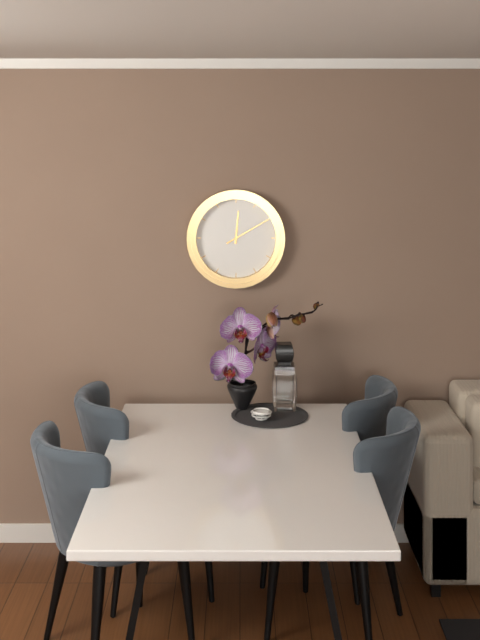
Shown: h=12 m=10
